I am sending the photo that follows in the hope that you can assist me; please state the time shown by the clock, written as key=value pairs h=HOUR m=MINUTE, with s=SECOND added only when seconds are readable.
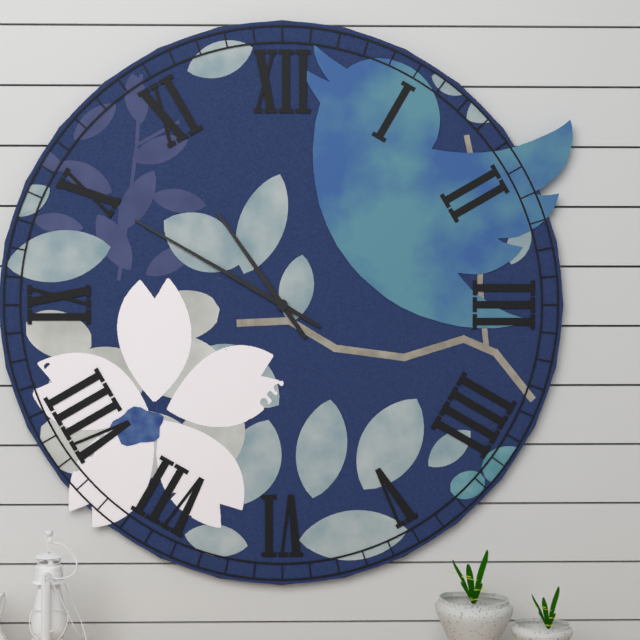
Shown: h=10 m=50
